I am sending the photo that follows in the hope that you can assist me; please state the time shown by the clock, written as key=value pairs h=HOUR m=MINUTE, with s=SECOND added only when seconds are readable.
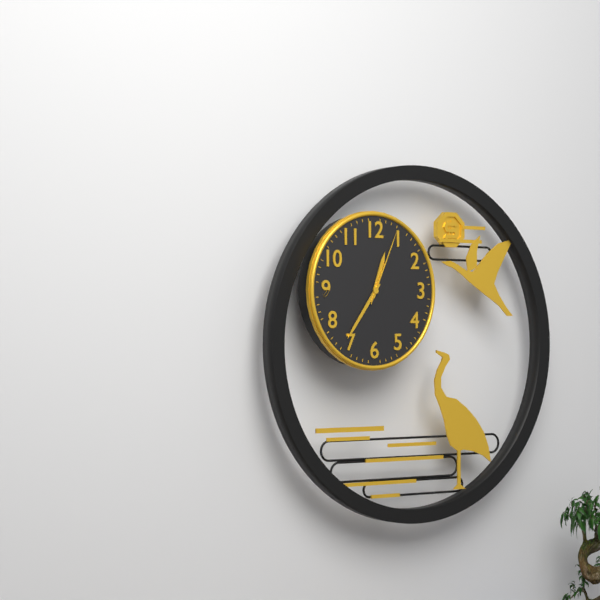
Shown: h=12 m=36 s=4
